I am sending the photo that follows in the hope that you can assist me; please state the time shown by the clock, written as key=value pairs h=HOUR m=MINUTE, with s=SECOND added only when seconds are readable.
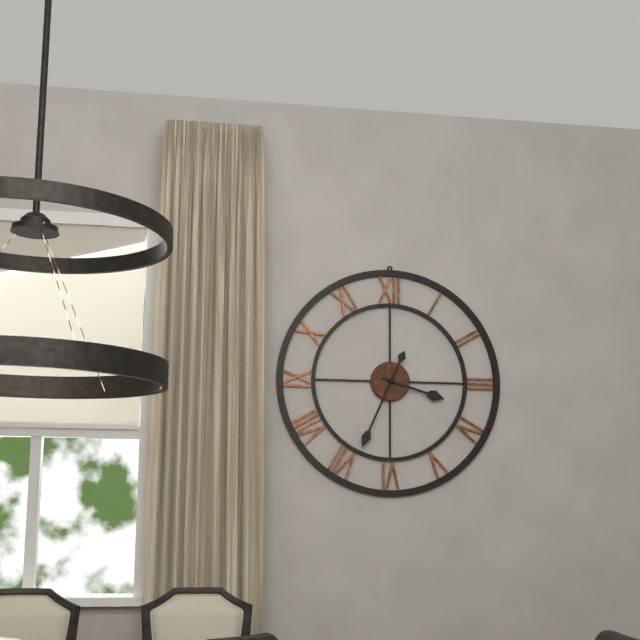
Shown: h=3 m=34
